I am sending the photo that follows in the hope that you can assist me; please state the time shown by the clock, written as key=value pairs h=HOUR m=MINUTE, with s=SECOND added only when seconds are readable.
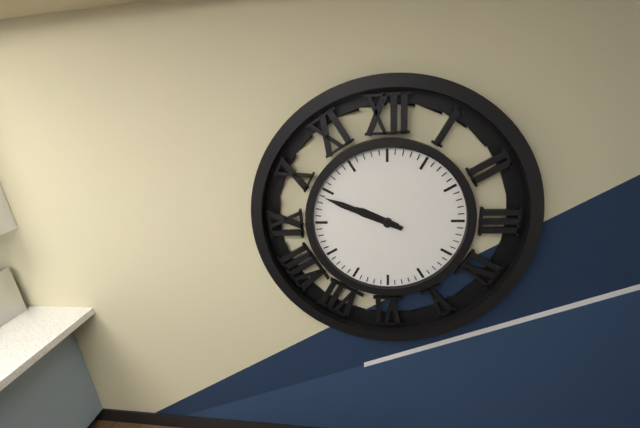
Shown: h=9 m=49
